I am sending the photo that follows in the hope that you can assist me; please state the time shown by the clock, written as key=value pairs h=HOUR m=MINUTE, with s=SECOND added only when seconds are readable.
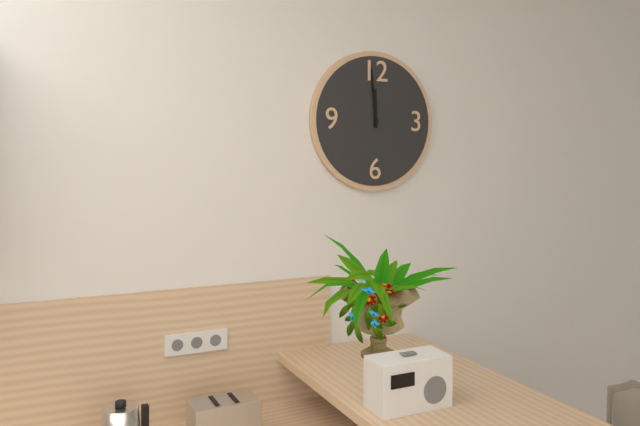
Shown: h=11 m=59
